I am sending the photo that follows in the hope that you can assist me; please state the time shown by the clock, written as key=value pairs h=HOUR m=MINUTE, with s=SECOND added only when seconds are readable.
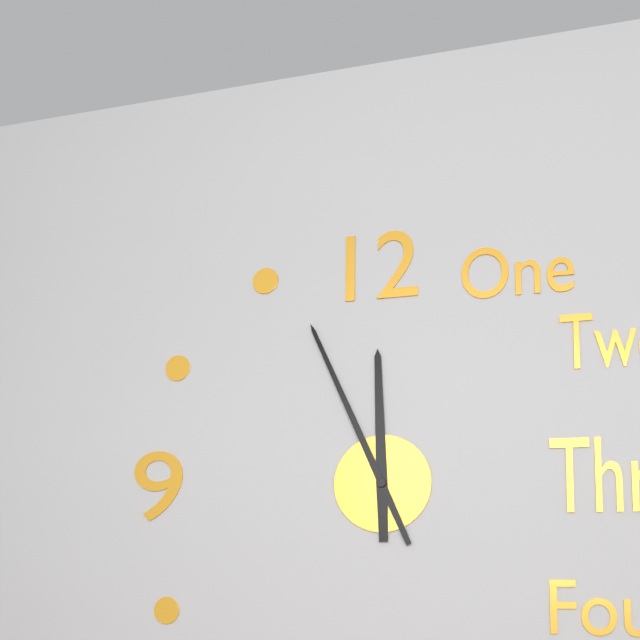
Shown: h=11 m=56
